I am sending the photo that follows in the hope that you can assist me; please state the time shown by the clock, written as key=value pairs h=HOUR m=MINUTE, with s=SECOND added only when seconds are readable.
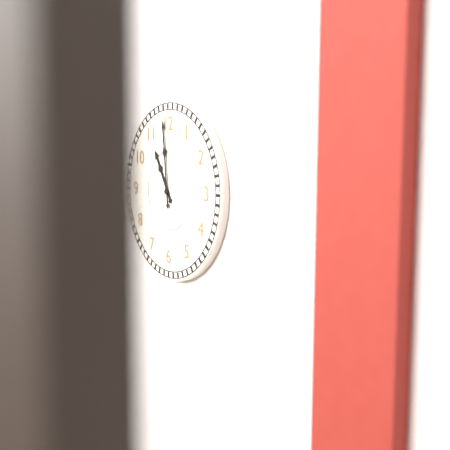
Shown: h=10 m=59
